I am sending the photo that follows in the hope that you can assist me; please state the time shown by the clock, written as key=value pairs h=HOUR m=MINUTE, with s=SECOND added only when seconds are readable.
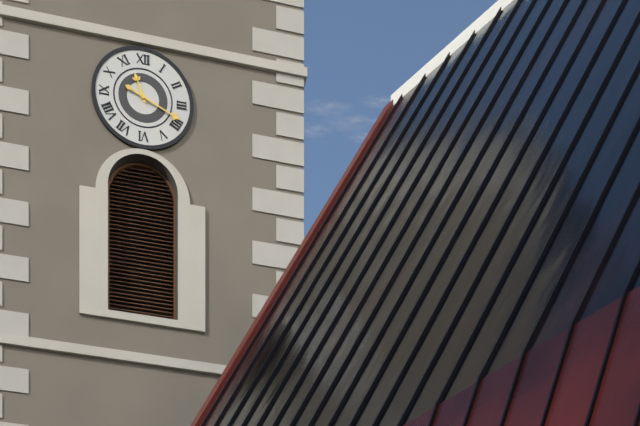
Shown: h=11 m=19
